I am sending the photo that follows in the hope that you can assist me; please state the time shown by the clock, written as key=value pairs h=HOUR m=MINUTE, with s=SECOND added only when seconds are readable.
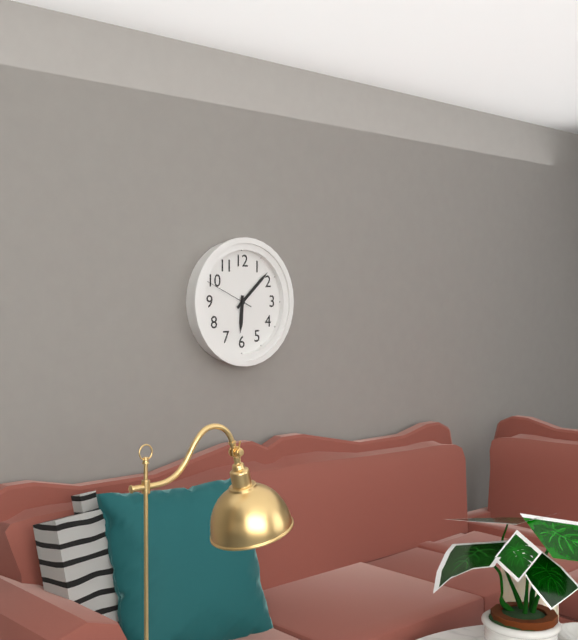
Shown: h=6 m=8 s=49
